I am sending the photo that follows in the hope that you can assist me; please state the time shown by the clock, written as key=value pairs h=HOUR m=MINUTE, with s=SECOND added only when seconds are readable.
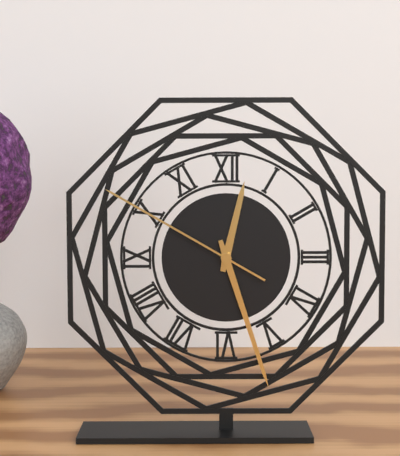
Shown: h=12 m=27 s=50
